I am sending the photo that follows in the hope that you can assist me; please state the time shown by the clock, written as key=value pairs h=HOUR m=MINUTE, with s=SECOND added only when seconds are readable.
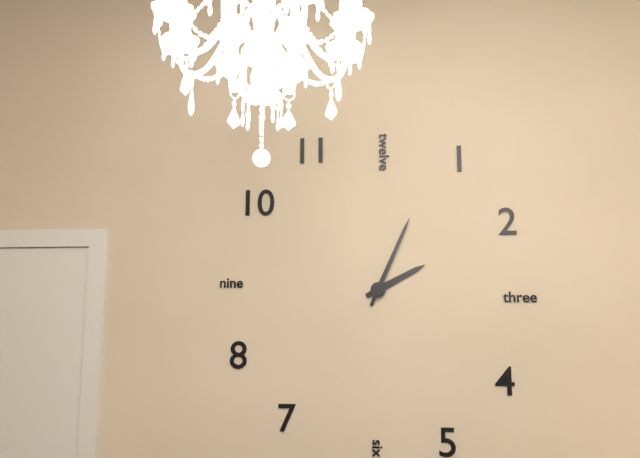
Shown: h=2 m=4
